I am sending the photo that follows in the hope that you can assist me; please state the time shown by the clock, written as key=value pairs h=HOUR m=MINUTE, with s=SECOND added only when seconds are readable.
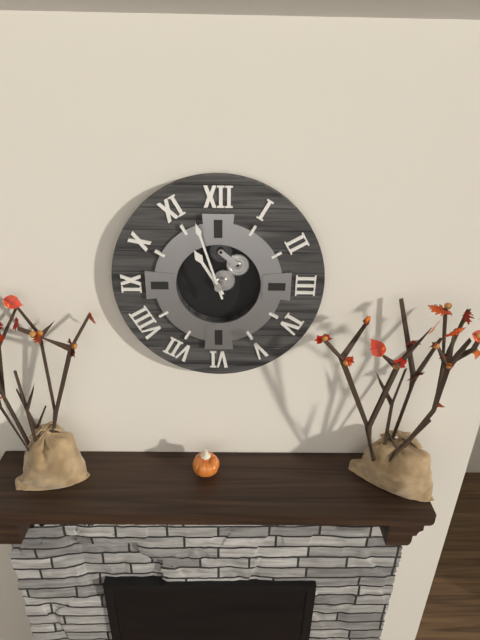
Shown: h=10 m=57
